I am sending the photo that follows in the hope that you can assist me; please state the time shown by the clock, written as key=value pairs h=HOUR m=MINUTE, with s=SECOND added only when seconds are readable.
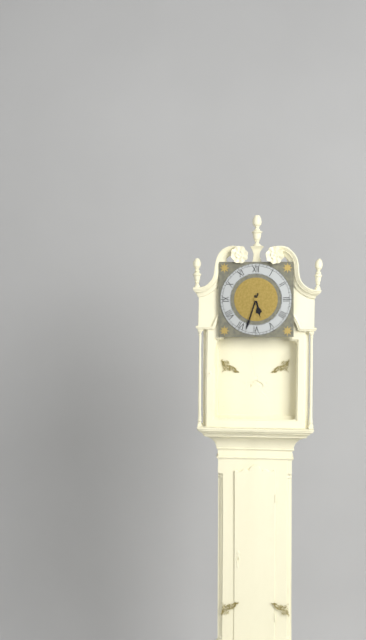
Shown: h=5 m=33
